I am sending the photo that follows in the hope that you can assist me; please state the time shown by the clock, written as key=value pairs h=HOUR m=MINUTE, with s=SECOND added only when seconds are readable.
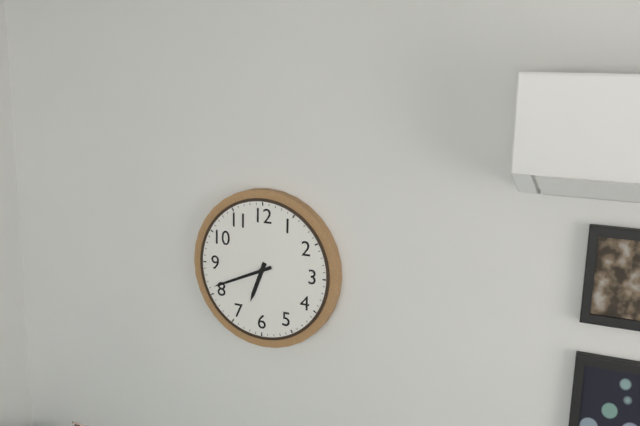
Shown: h=6 m=41
